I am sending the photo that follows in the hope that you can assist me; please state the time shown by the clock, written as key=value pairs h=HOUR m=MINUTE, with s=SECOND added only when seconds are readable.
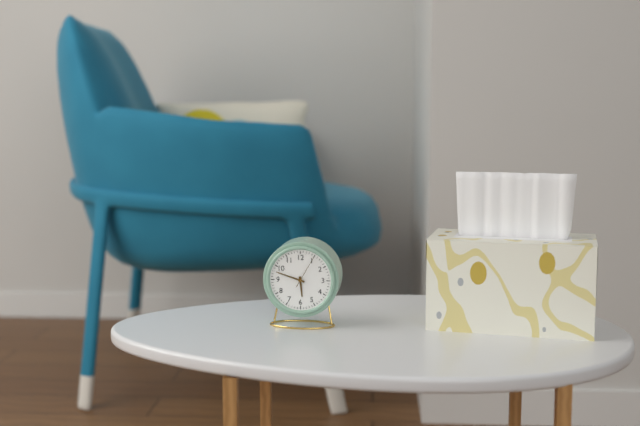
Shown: h=5 m=48
